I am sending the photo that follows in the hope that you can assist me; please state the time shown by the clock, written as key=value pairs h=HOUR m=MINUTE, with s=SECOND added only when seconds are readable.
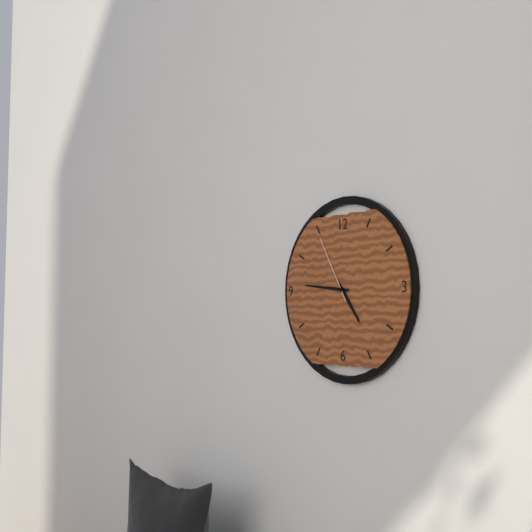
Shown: h=4 m=46 s=55
